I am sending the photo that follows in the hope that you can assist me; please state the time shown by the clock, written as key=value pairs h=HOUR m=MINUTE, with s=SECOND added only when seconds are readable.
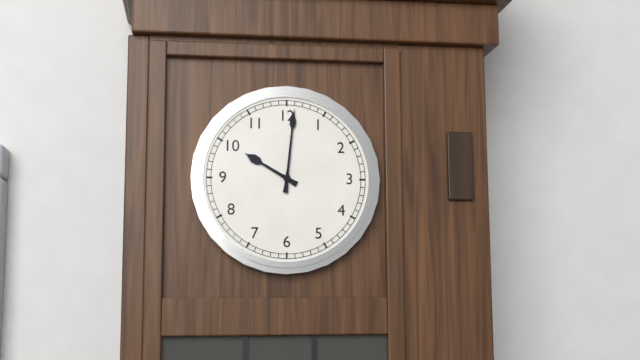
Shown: h=10 m=1
